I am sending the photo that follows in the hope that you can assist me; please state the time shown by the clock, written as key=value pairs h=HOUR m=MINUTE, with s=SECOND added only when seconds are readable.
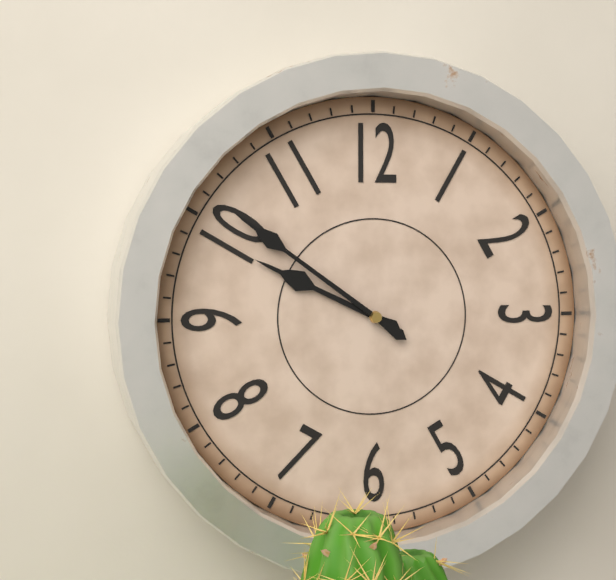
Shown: h=9 m=51
